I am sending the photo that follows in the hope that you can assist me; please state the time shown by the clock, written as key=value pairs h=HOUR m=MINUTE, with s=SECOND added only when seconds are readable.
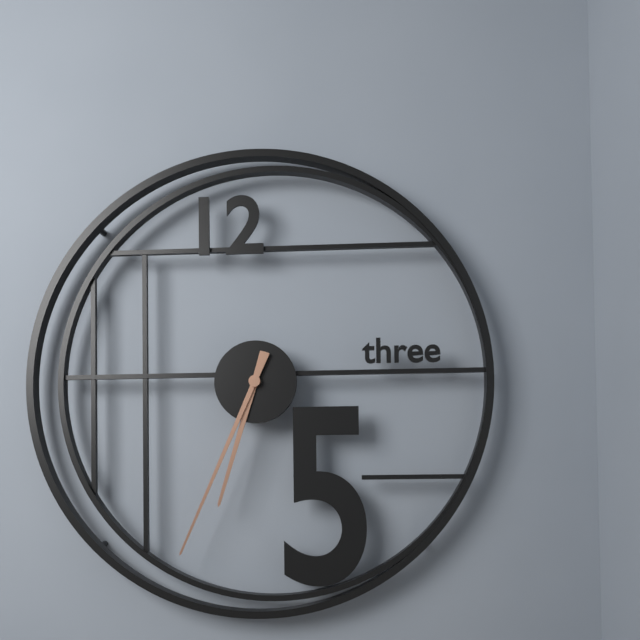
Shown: h=6 m=34
